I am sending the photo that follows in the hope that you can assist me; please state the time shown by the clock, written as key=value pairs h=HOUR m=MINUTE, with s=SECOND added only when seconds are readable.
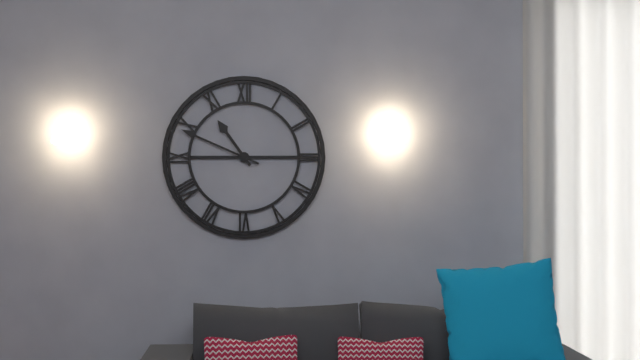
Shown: h=10 m=49
